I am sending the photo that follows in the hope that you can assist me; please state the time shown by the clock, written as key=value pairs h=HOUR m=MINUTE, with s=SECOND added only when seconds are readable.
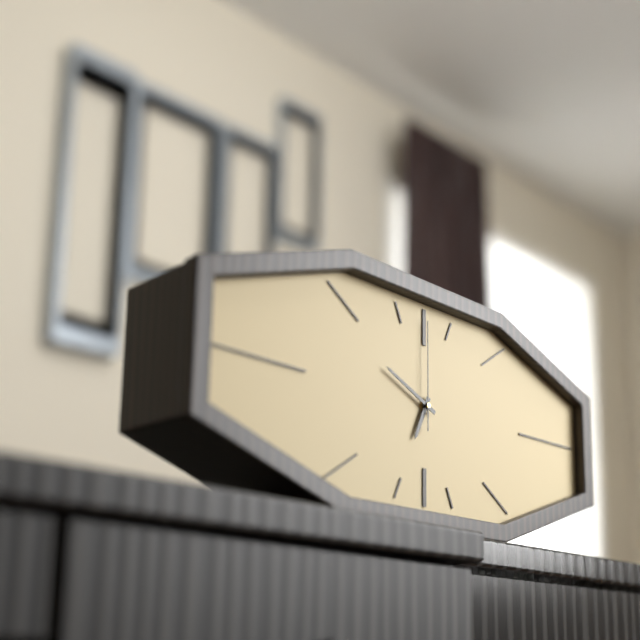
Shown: h=6 m=49 s=0
